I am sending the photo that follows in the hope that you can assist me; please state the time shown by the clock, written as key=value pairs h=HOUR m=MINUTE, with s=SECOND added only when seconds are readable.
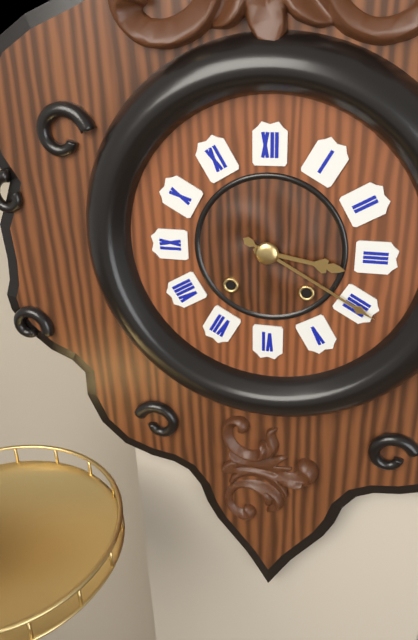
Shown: h=3 m=20
